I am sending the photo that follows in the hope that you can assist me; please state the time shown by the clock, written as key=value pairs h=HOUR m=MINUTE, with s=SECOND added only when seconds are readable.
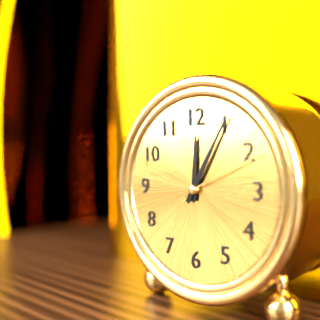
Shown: h=12 m=5 s=11
